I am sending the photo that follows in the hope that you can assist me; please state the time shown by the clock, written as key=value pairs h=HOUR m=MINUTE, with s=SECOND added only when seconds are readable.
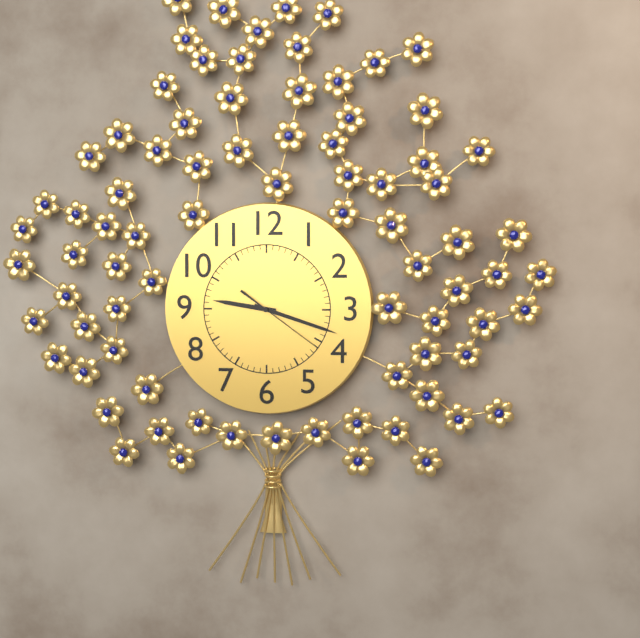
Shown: h=9 m=18 s=21
